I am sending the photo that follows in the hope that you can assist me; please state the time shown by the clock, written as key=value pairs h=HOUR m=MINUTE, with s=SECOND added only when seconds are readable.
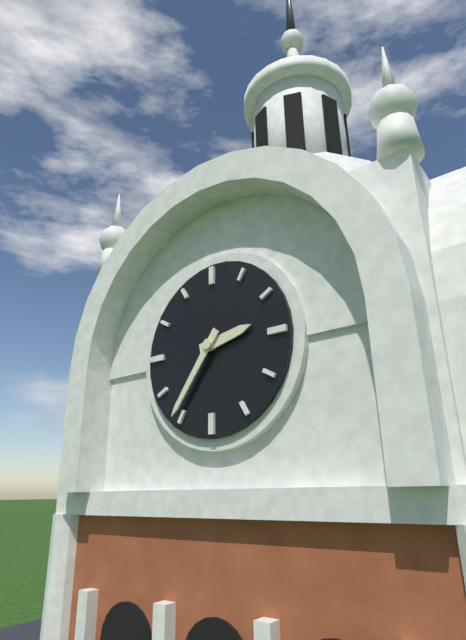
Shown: h=2 m=36
